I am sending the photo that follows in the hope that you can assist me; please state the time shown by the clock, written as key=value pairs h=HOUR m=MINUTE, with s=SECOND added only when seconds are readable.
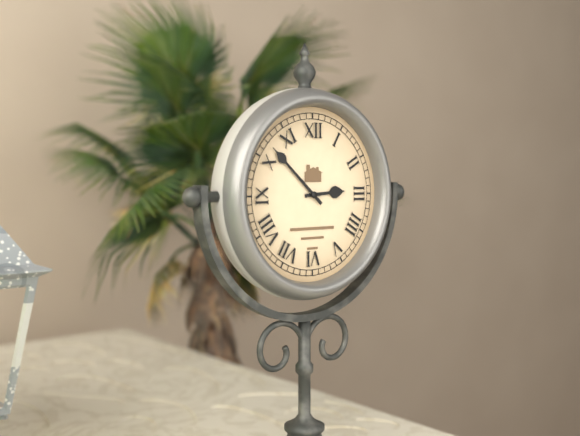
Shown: h=2 m=52
